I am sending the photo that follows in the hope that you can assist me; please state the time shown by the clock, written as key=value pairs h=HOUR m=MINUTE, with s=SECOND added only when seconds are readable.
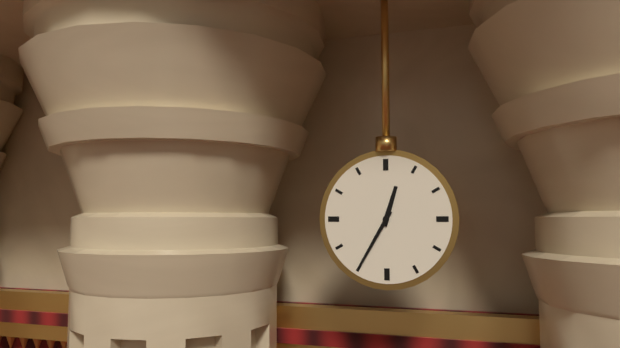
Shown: h=12 m=35
